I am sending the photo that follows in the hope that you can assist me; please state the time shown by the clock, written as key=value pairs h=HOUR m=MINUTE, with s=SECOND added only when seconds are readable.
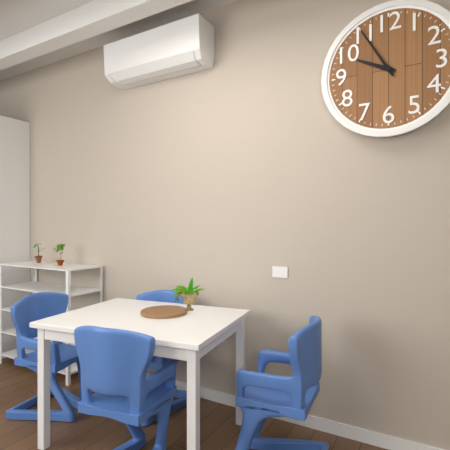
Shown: h=9 m=55
